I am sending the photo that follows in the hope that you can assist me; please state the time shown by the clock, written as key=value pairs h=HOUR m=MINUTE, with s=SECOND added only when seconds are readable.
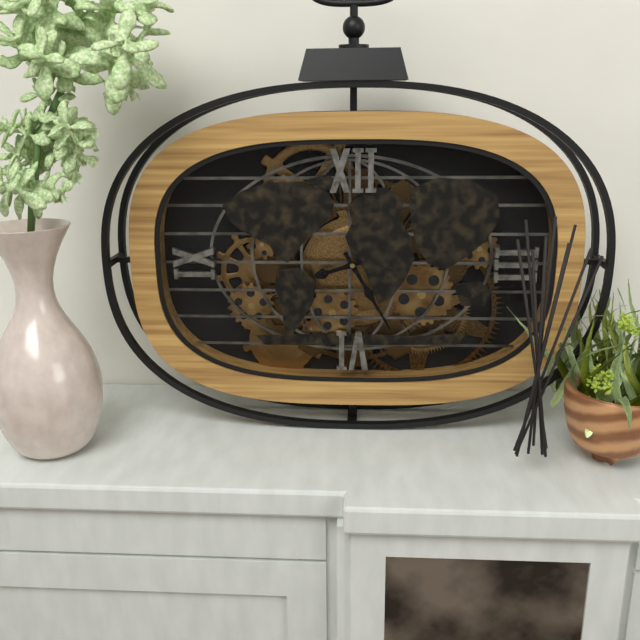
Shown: h=8 m=25
